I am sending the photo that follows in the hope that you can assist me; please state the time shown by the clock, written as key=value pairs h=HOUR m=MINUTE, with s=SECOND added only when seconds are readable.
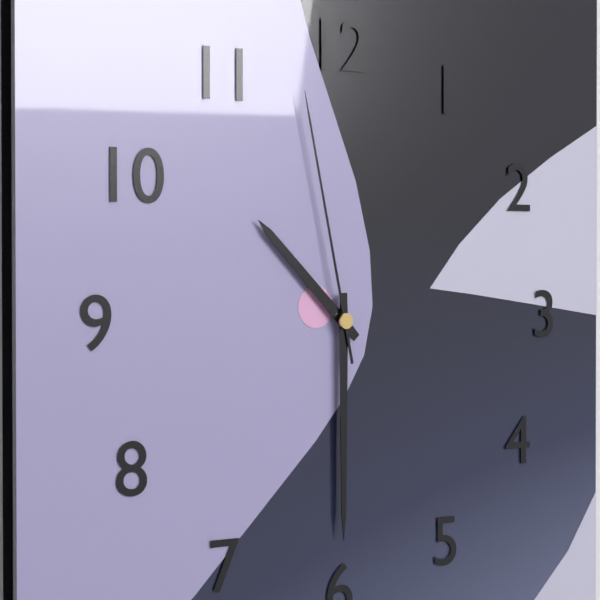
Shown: h=10 m=30 s=58
